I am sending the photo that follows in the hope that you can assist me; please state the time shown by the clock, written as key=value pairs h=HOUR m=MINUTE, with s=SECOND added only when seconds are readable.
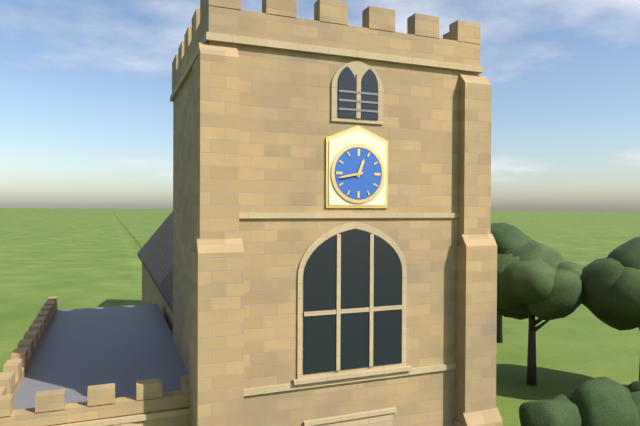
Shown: h=12 m=43
